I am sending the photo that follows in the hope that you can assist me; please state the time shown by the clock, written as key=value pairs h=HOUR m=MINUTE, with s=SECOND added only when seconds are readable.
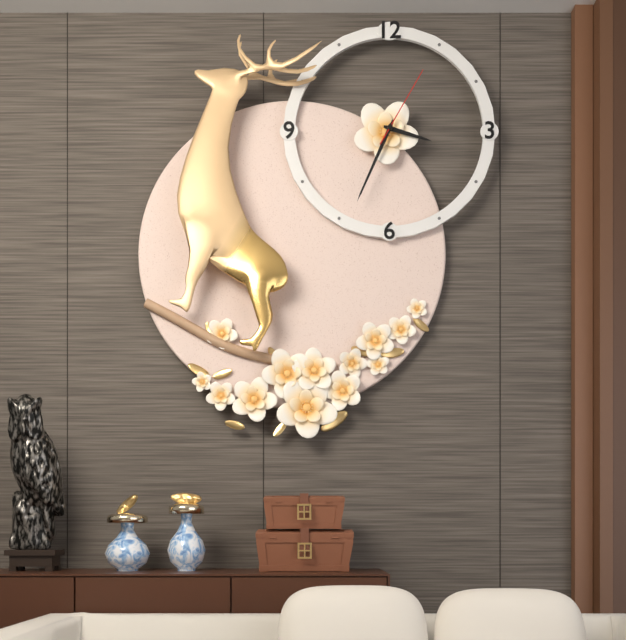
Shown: h=3 m=34 s=5
